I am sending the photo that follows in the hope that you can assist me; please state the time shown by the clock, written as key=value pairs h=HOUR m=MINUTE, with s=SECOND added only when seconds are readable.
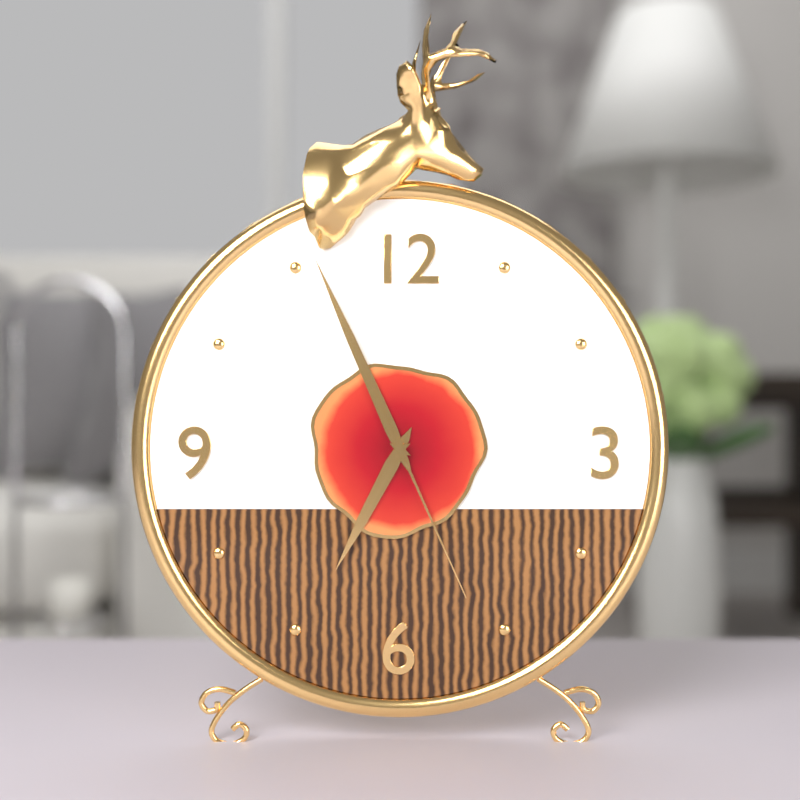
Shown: h=6 m=56 s=26
